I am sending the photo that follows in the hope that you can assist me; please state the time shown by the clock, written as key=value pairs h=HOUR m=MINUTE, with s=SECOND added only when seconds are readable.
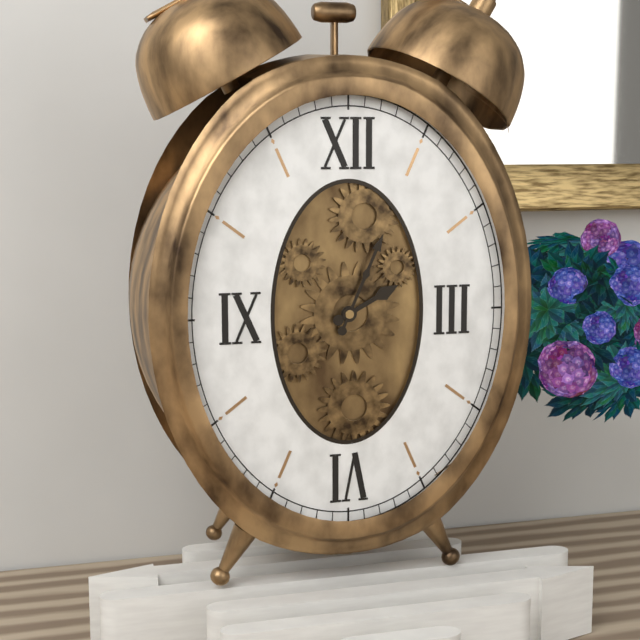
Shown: h=2 m=4
